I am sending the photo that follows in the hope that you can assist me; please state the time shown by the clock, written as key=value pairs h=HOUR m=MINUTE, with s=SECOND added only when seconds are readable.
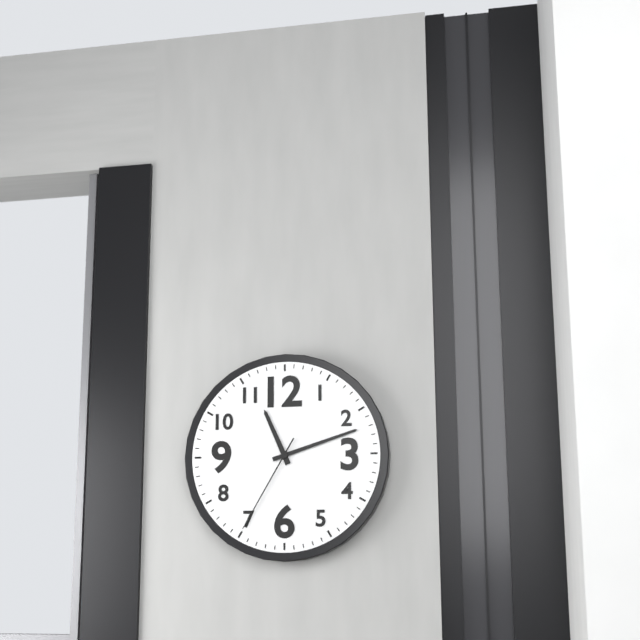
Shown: h=11 m=12 s=35
